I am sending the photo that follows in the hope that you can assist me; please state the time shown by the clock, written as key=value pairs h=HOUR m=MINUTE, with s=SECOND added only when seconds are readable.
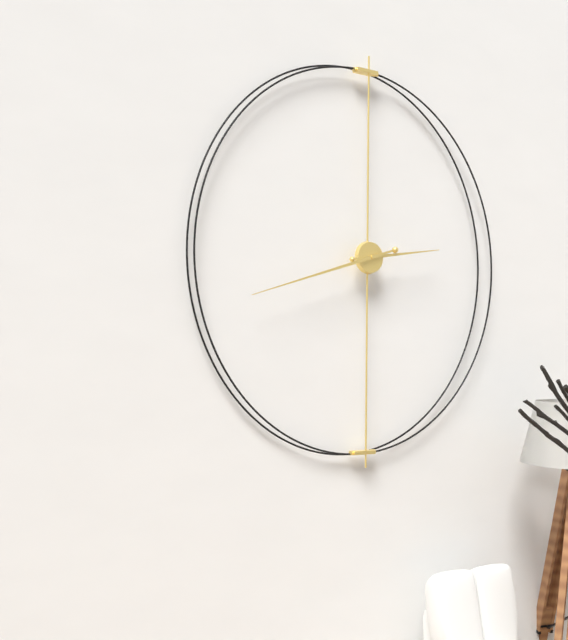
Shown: h=2 m=42
